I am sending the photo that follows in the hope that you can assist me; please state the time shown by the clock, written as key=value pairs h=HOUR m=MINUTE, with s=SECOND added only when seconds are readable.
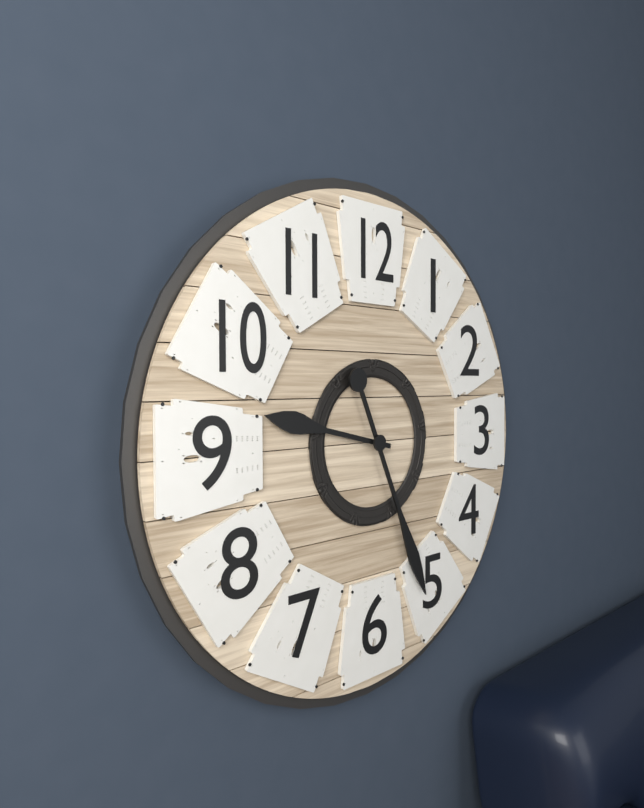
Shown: h=9 m=26
